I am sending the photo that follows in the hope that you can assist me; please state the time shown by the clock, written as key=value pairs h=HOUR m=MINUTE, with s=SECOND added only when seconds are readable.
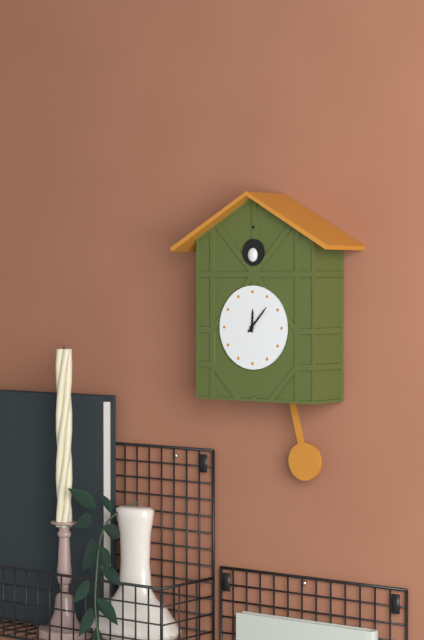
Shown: h=12 m=7
